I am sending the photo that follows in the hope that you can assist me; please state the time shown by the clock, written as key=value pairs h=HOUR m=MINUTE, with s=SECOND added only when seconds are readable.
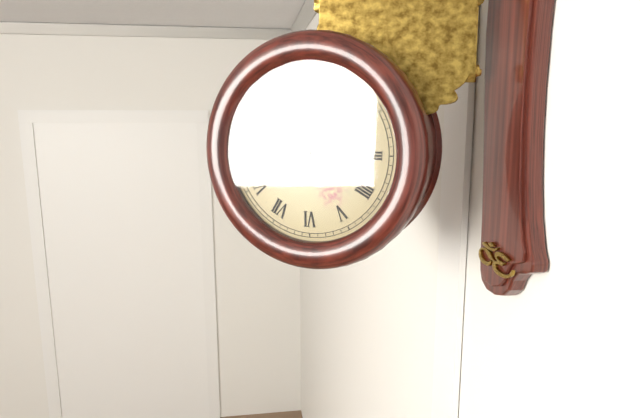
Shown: h=8 m=48 s=7
